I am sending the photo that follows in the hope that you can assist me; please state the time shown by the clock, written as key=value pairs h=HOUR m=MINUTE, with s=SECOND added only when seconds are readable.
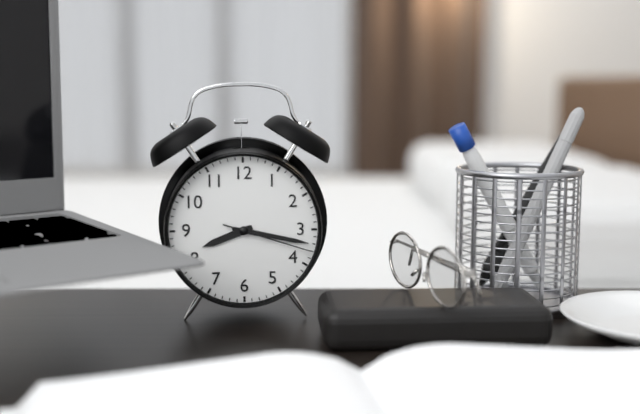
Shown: h=8 m=17 s=18
